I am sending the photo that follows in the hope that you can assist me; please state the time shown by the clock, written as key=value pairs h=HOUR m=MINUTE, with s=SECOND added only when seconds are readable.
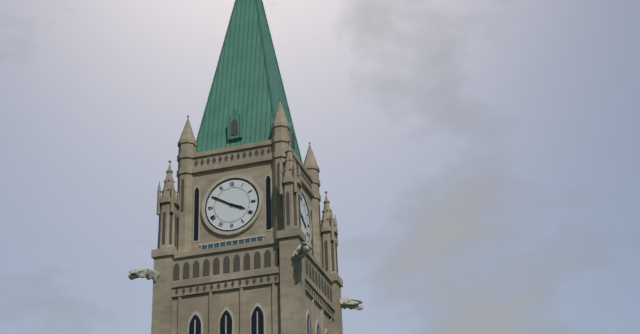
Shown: h=3 m=50
